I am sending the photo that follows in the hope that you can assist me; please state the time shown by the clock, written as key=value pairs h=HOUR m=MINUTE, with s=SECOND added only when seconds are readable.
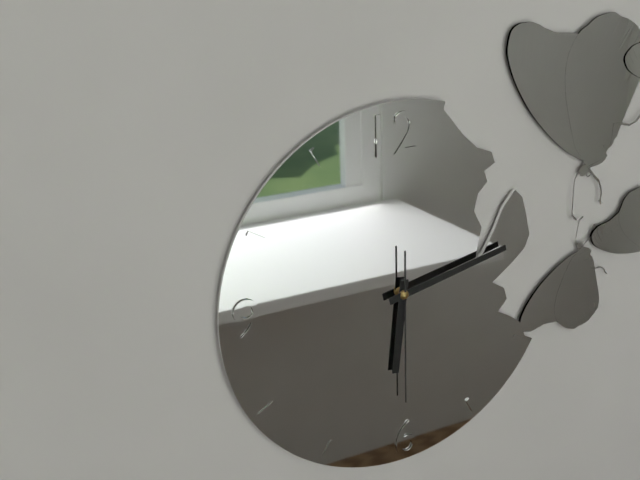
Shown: h=6 m=13 s=30
